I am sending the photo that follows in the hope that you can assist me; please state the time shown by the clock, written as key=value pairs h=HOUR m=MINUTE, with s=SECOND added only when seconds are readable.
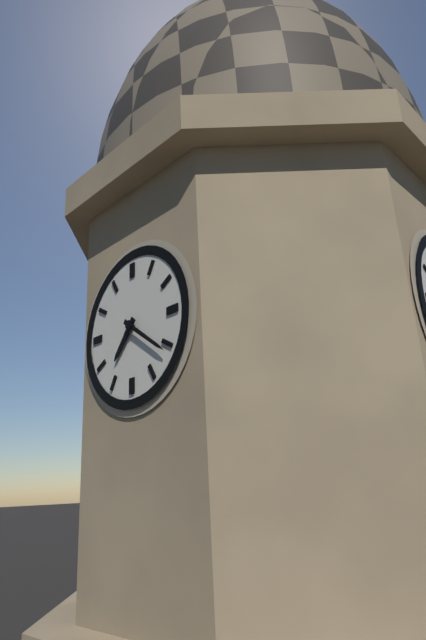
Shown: h=7 m=21
